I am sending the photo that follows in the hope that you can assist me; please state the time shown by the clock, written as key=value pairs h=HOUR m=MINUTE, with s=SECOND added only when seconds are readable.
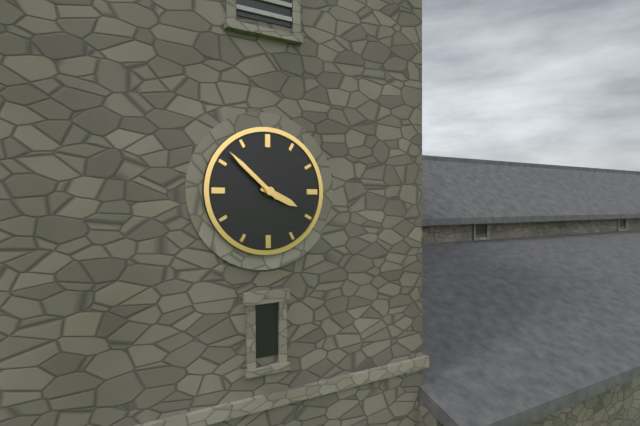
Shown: h=3 m=52
